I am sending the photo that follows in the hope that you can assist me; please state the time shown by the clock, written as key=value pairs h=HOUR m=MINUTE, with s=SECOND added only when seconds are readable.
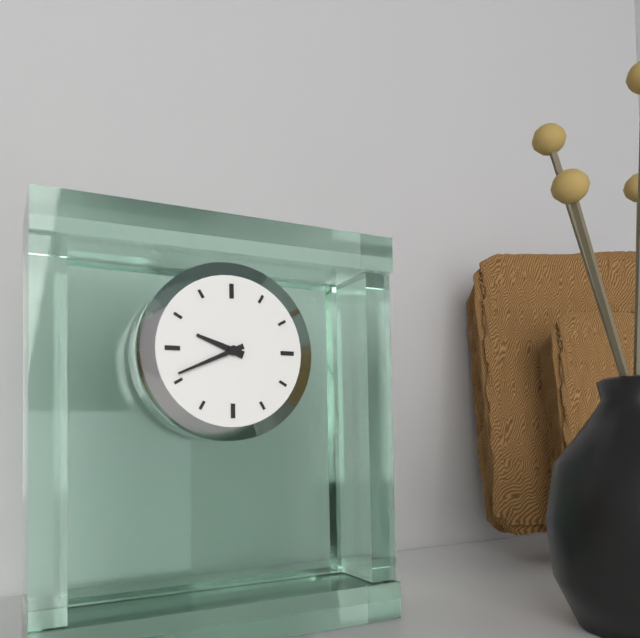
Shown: h=9 m=41
